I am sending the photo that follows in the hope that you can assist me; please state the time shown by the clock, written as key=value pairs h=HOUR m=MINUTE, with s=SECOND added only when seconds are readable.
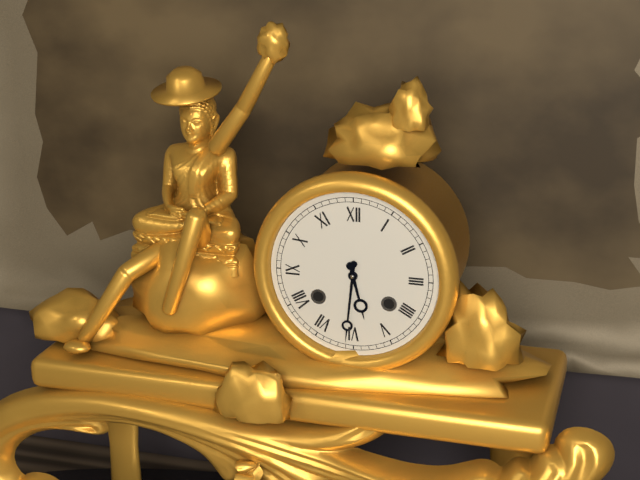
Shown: h=5 m=31
